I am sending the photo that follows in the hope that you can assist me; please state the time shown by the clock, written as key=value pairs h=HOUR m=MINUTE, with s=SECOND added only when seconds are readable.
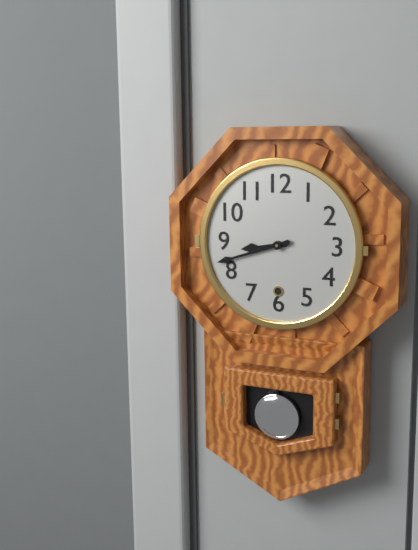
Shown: h=8 m=42
